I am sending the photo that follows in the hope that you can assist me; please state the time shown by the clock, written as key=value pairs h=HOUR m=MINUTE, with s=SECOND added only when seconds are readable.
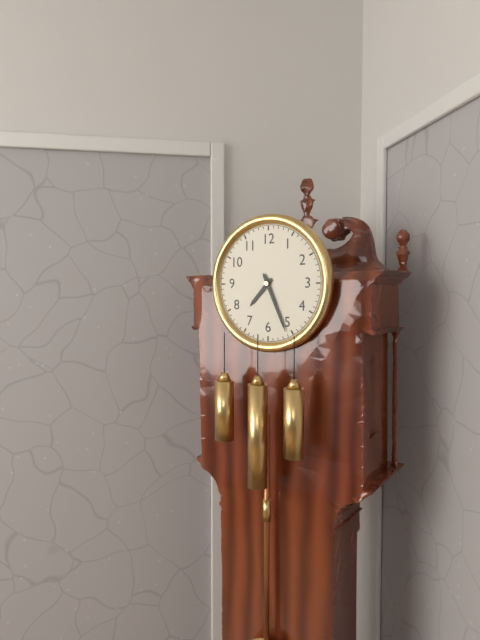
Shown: h=7 m=26
